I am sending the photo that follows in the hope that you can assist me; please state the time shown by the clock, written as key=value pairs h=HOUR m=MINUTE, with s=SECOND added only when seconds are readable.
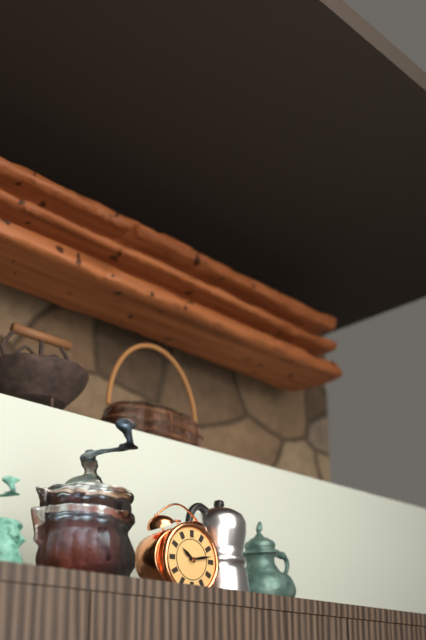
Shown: h=10 m=13
